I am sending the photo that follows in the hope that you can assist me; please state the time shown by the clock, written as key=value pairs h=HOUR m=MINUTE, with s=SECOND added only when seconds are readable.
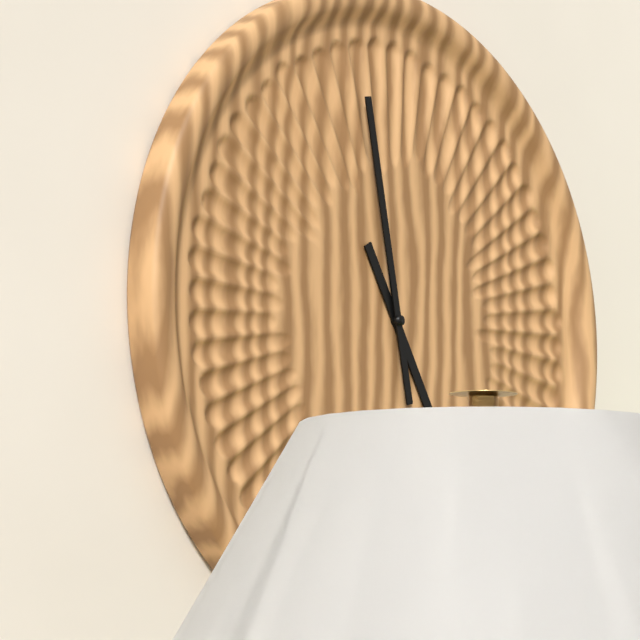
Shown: h=4 m=58
